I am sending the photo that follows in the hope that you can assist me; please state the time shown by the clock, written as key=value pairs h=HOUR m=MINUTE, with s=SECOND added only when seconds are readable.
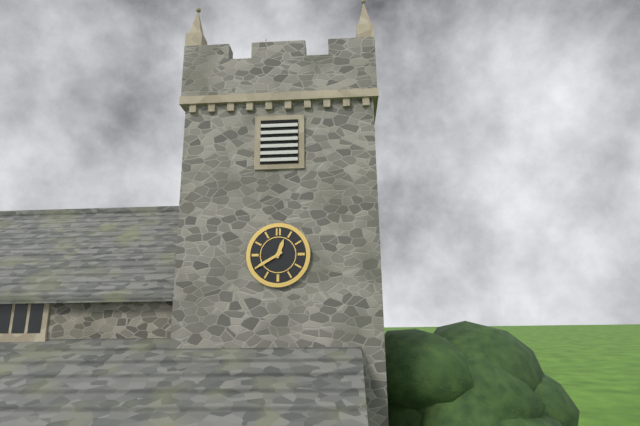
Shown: h=12 m=40
